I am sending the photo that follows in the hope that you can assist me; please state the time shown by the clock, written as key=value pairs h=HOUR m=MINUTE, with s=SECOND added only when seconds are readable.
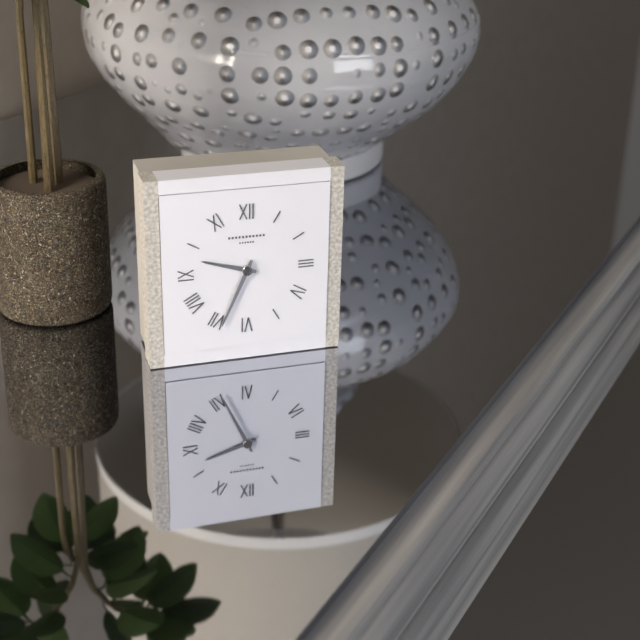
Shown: h=9 m=34
